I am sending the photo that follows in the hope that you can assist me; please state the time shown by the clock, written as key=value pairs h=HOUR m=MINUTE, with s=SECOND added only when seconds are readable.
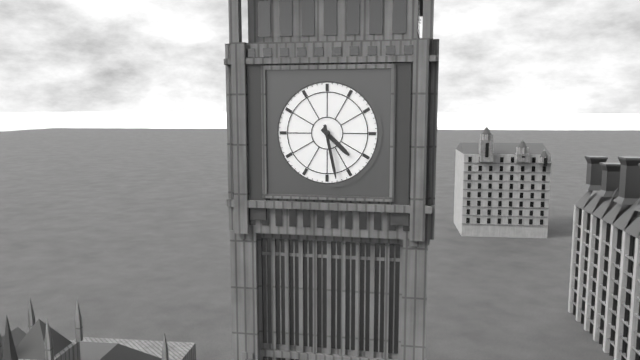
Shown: h=4 m=28
